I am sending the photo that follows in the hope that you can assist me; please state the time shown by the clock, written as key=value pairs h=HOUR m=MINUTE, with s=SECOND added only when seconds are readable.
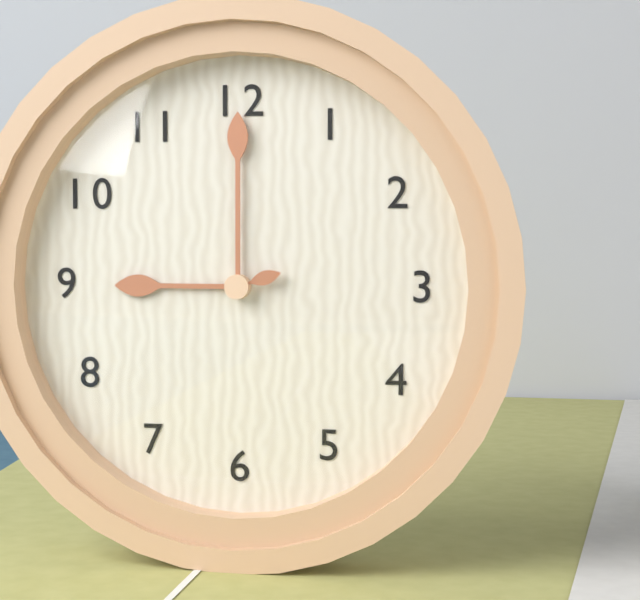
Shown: h=9 m=0 s=12
